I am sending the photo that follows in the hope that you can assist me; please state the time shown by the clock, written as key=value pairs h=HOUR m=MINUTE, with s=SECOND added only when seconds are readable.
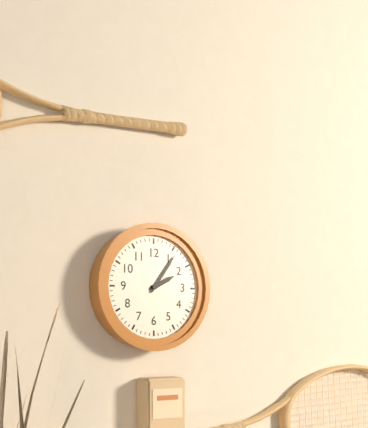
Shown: h=2 m=6
